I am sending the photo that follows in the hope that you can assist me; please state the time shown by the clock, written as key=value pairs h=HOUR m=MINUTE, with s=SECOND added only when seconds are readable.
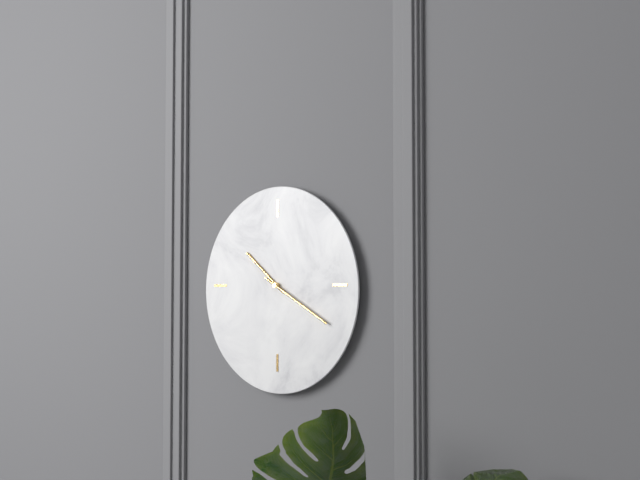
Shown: h=10 m=20
